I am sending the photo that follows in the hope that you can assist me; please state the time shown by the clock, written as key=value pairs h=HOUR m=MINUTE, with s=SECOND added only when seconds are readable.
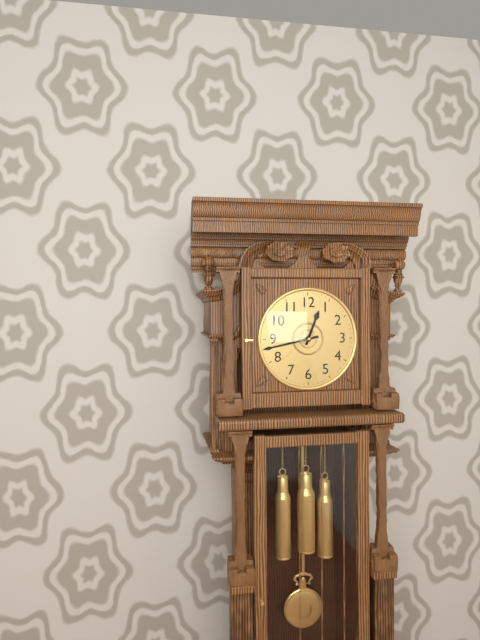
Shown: h=12 m=43 s=39
